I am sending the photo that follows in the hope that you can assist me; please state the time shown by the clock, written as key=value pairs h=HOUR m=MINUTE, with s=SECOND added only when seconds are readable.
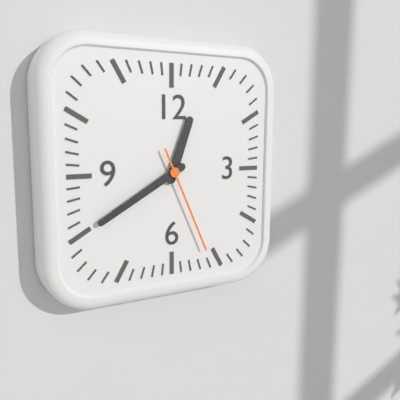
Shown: h=12 m=40 s=26
